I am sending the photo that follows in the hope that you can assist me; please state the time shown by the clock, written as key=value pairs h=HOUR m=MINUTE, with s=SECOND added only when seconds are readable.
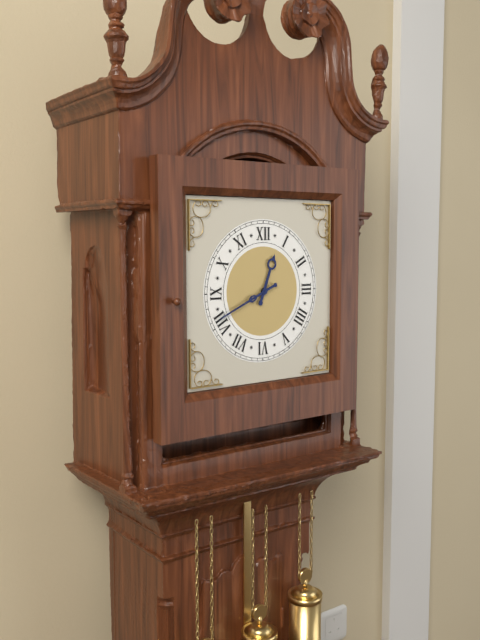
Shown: h=12 m=41
